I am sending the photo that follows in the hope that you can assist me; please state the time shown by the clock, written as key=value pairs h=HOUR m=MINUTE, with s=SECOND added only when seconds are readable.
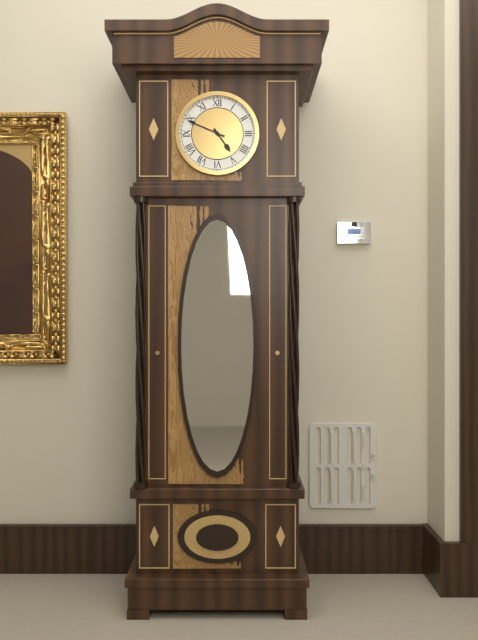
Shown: h=4 m=49
